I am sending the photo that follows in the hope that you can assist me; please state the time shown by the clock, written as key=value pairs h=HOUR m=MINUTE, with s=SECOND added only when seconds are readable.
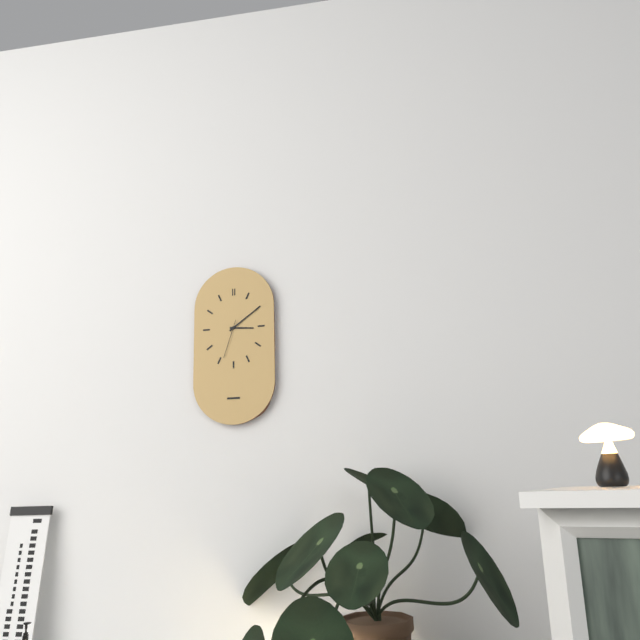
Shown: h=3 m=9
